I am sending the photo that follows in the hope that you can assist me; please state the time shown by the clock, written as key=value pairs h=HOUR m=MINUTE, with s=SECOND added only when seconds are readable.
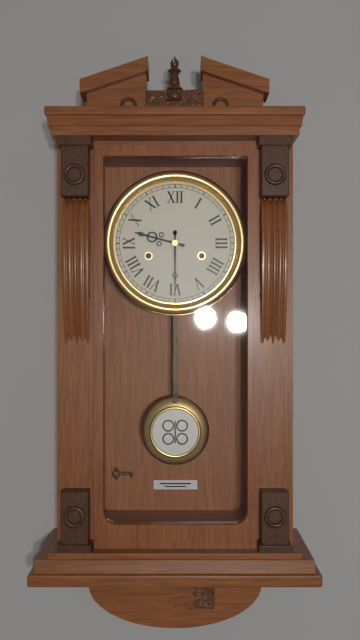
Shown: h=9 m=30
